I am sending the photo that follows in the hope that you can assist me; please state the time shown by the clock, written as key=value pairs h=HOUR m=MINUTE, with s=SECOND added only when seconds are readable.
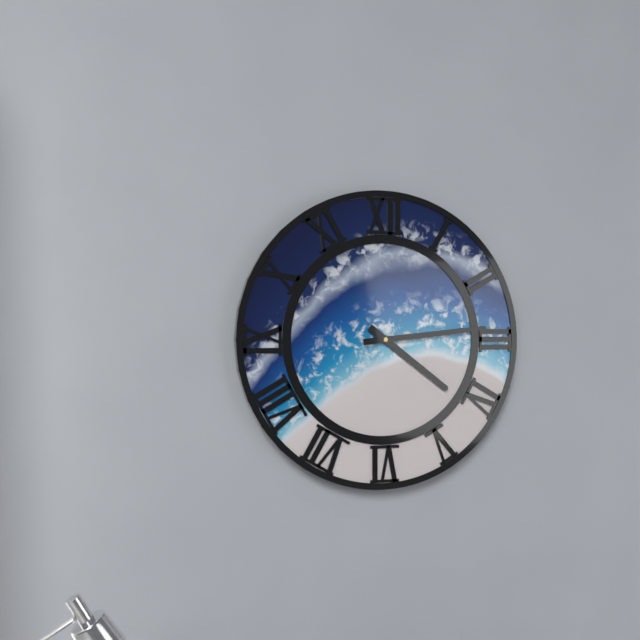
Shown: h=4 m=14
